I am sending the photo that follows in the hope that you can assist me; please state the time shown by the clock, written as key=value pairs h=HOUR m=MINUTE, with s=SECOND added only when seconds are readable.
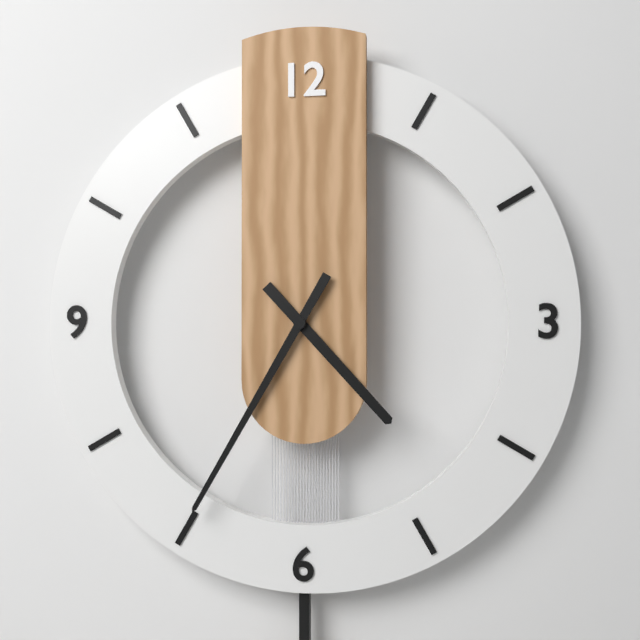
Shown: h=4 m=35
